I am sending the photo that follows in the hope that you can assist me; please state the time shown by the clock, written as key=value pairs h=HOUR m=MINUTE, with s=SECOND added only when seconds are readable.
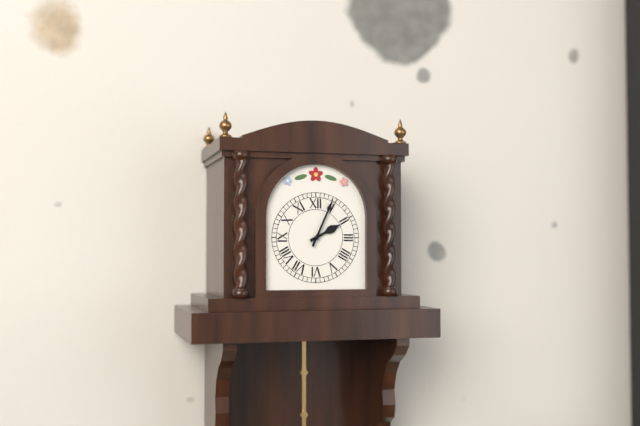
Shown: h=2 m=4
